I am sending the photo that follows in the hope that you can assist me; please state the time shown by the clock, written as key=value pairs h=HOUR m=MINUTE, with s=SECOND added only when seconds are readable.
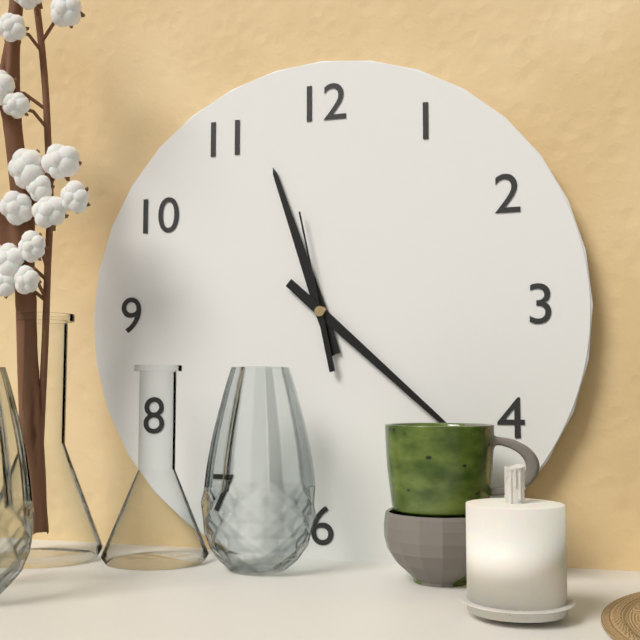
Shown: h=11 m=22 s=58
